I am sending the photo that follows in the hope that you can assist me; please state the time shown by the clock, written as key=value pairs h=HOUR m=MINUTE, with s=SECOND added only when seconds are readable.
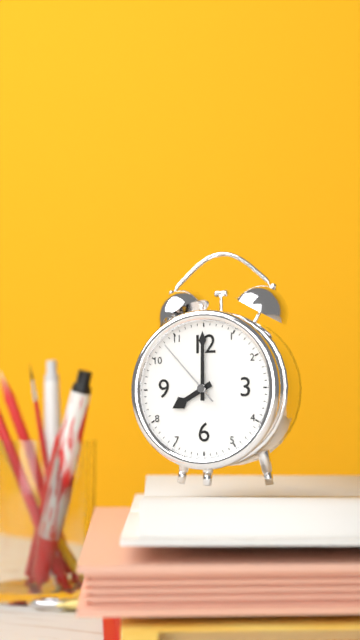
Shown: h=8 m=0 s=53
